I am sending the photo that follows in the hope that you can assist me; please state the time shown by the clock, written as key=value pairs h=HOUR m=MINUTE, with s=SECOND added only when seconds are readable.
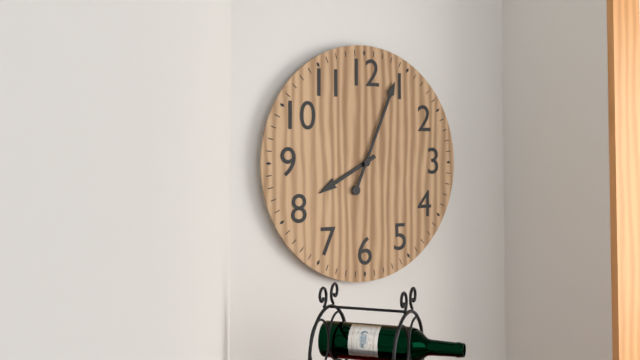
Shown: h=8 m=4
